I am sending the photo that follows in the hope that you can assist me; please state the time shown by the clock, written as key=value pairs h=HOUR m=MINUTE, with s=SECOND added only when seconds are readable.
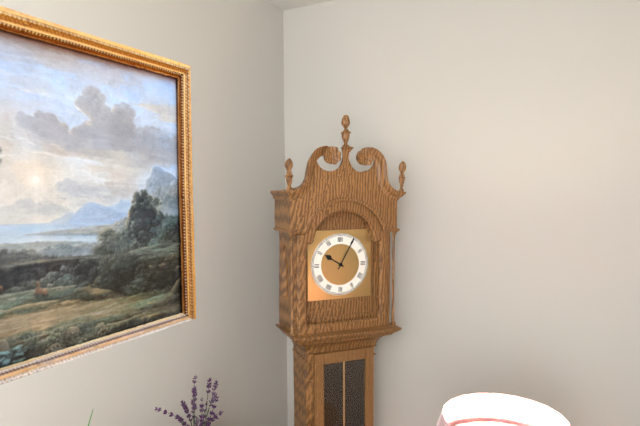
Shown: h=10 m=5
